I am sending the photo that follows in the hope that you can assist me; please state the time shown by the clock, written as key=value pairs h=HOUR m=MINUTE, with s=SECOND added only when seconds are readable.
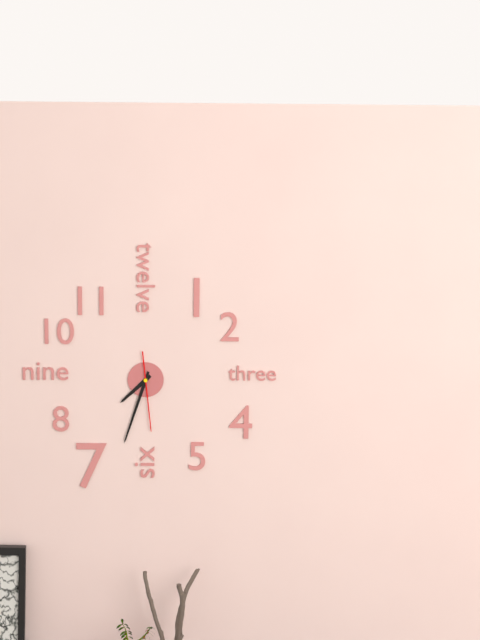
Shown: h=7 m=33 s=29
